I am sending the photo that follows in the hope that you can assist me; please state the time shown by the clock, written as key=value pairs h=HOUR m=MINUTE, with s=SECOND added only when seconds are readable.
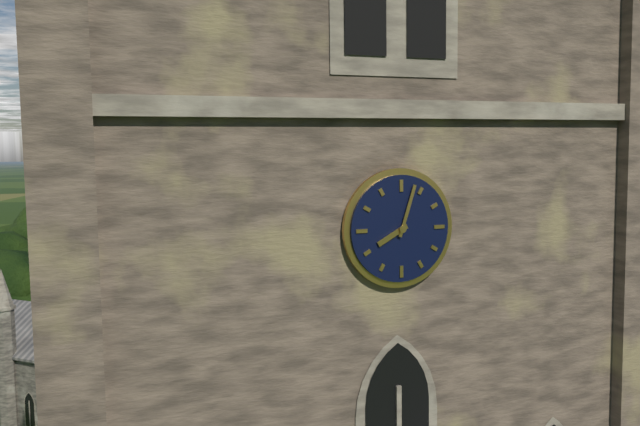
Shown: h=8 m=3
